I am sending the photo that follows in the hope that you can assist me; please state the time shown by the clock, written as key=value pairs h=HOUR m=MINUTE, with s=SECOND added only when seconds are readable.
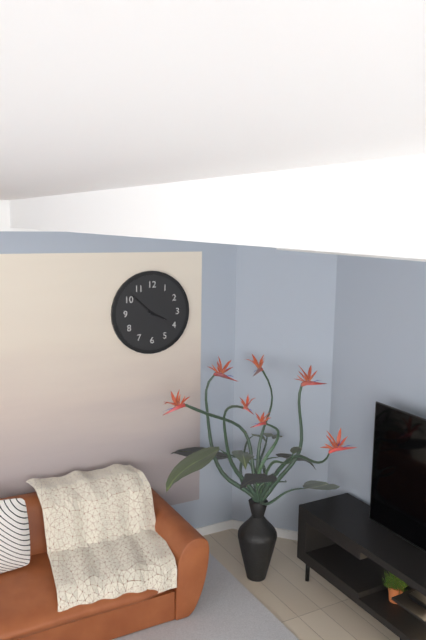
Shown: h=3 m=52
